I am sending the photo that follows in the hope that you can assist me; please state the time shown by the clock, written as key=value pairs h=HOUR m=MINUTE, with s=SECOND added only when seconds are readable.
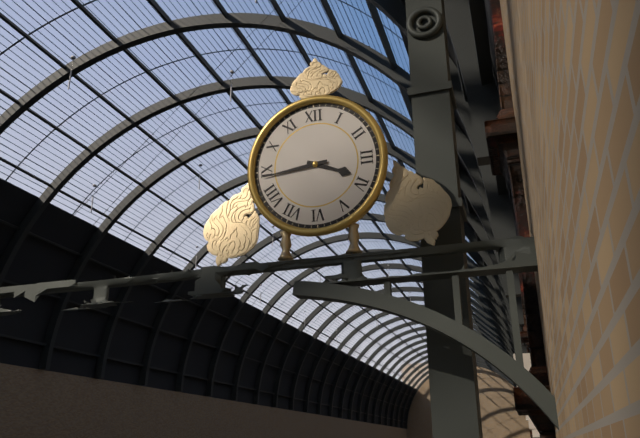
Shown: h=3 m=44
